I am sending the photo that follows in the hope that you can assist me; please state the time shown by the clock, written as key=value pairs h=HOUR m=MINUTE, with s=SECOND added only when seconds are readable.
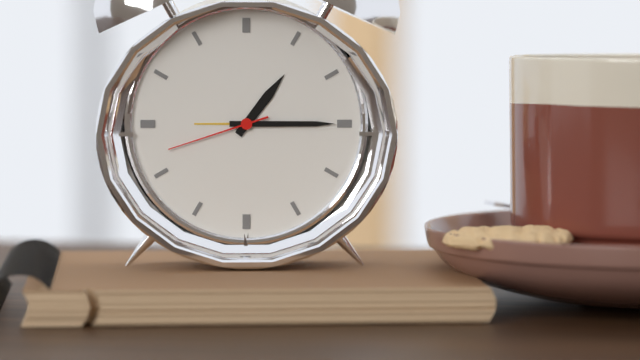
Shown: h=1 m=15 s=42
